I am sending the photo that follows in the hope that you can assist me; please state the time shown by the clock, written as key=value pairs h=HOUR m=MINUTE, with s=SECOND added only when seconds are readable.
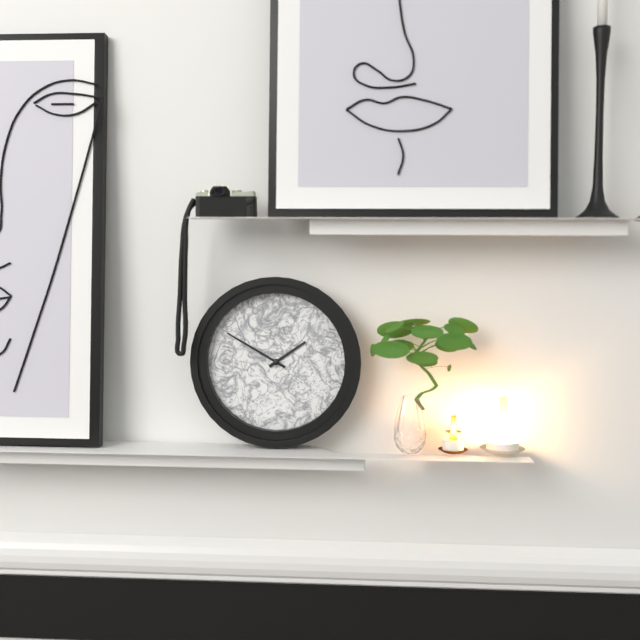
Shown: h=1 m=50
